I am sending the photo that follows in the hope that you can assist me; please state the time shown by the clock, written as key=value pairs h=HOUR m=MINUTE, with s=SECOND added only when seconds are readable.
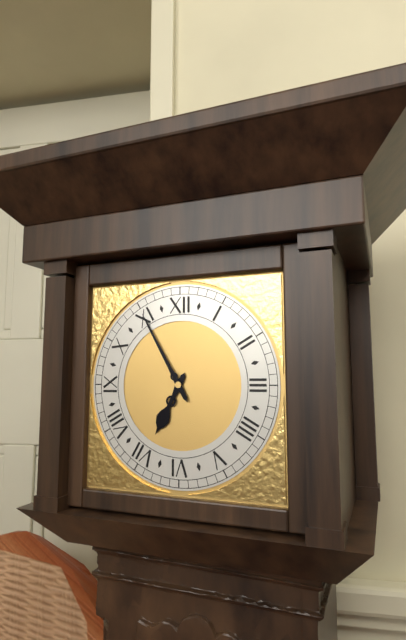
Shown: h=6 m=55
